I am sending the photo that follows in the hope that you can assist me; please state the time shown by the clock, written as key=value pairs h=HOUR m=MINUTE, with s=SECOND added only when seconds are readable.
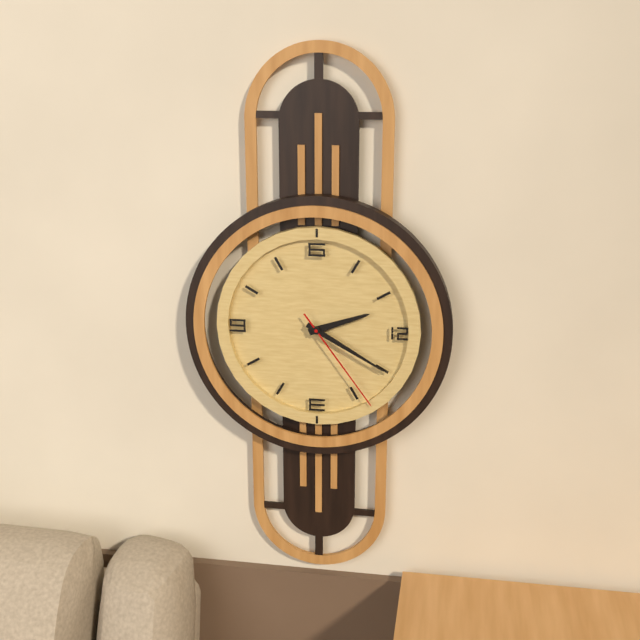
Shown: h=2 m=20 s=24
